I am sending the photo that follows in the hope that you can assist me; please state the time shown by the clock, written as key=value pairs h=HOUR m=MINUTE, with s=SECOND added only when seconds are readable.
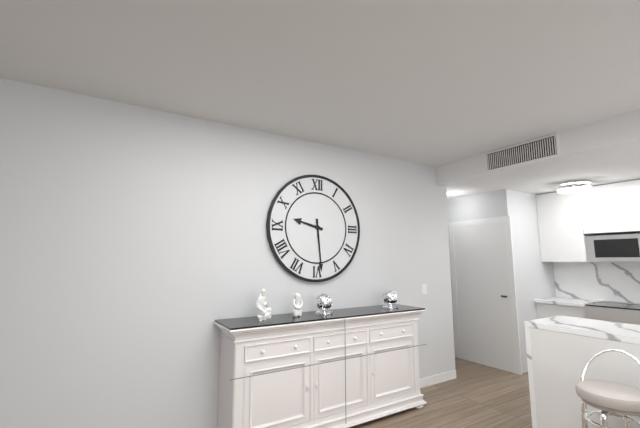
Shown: h=9 m=29
